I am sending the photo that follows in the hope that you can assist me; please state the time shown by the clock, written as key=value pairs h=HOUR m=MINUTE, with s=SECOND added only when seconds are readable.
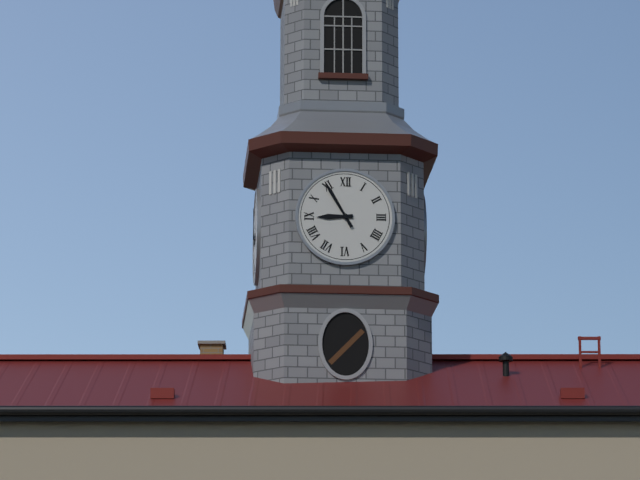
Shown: h=8 m=55
